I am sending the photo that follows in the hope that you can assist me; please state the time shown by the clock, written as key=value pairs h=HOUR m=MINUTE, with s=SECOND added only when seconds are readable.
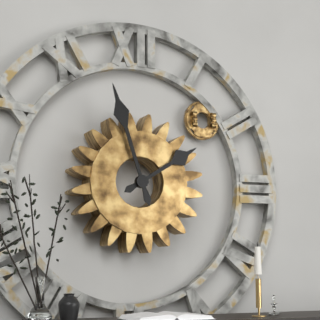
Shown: h=1 m=57
